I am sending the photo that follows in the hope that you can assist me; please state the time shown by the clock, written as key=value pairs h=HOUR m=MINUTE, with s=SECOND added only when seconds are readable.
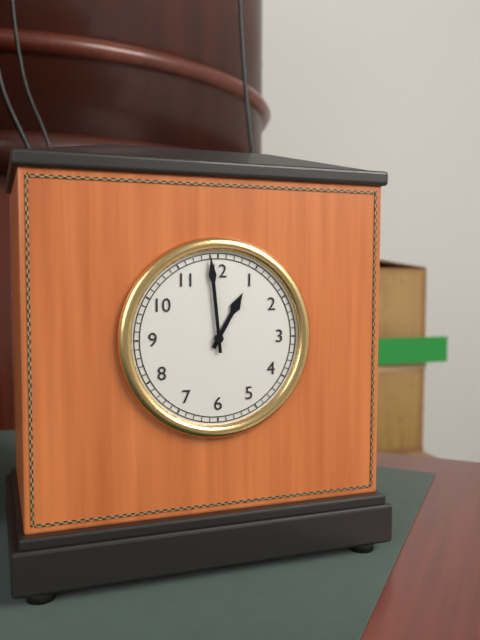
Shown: h=12 m=59
